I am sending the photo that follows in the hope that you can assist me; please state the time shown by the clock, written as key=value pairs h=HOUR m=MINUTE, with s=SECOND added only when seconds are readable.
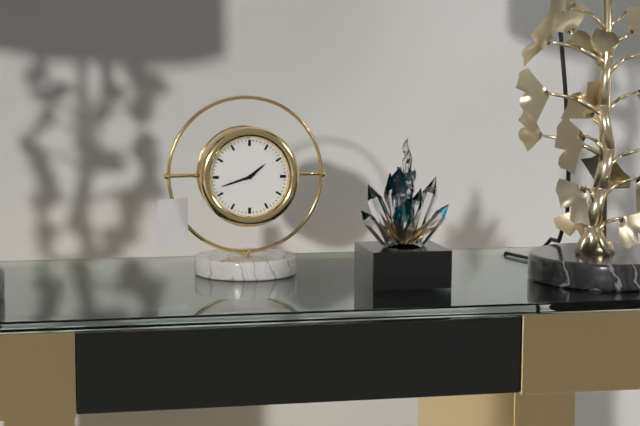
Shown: h=1 m=42
